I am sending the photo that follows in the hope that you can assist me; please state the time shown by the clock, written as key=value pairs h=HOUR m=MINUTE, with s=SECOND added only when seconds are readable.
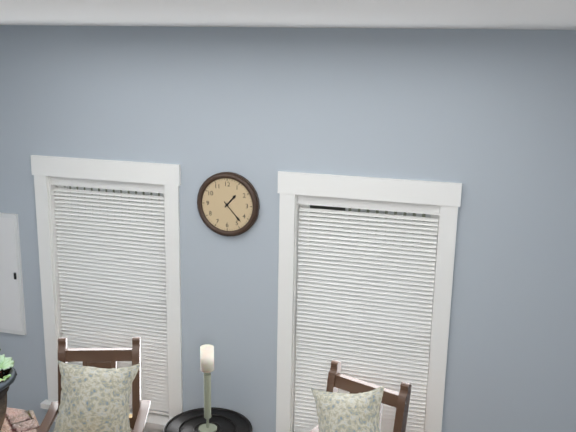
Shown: h=1 m=23
